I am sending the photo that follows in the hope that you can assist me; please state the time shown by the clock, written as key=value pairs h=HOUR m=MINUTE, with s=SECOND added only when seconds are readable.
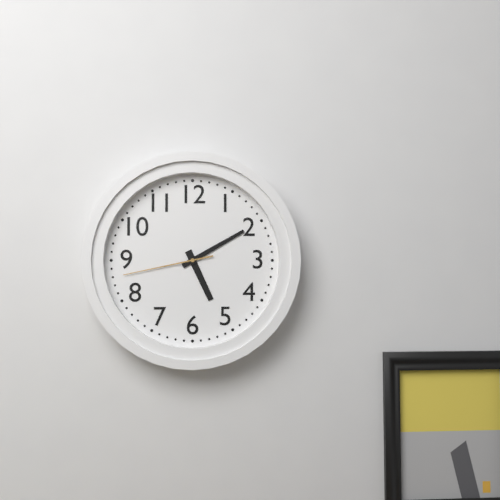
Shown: h=5 m=10 s=43
